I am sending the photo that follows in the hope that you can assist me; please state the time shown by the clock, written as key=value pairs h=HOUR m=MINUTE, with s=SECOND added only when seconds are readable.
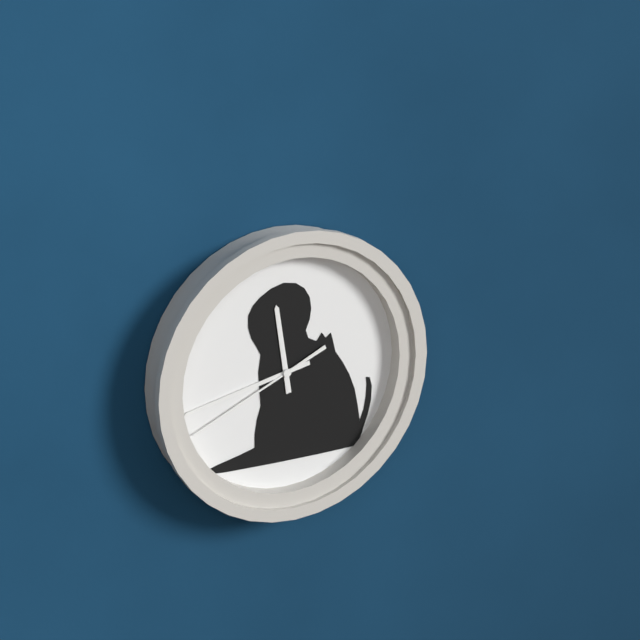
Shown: h=11 m=43 s=41
